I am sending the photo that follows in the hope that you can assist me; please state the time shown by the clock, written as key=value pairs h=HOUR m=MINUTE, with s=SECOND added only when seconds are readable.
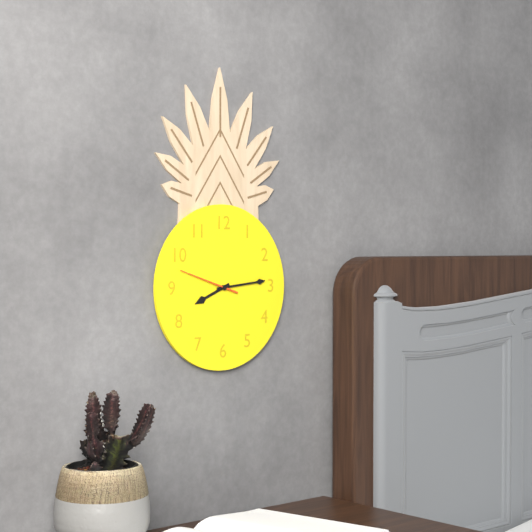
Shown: h=8 m=14 s=48
